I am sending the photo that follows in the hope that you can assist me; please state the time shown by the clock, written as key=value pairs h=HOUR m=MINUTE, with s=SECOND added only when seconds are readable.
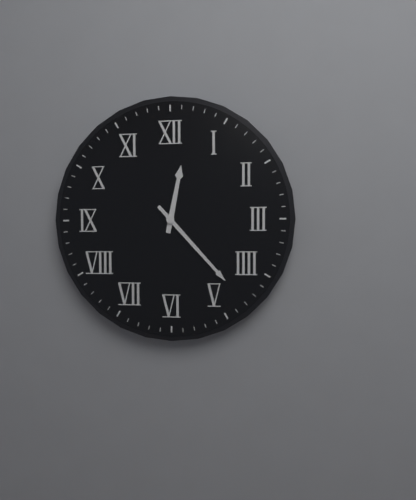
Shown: h=12 m=23
